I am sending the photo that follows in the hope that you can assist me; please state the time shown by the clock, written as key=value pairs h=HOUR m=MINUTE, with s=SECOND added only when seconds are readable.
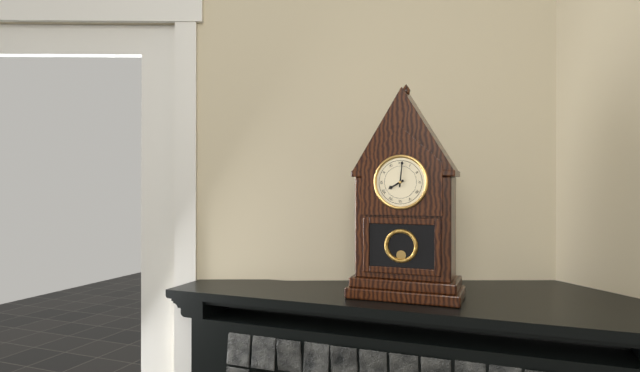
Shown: h=8 m=1
